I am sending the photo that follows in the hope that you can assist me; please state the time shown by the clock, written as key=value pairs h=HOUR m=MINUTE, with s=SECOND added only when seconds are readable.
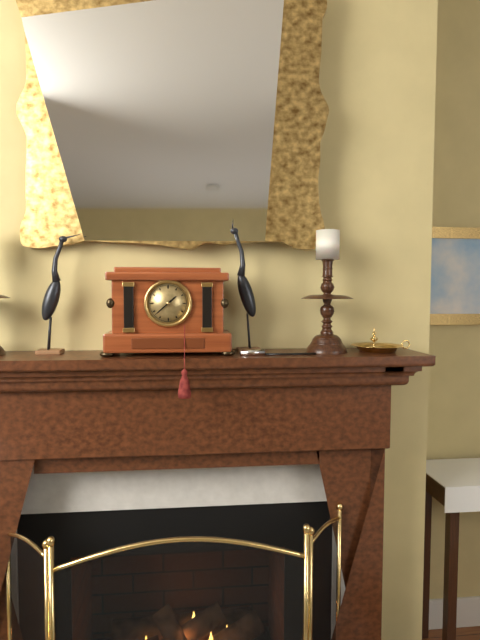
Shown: h=1 m=38
